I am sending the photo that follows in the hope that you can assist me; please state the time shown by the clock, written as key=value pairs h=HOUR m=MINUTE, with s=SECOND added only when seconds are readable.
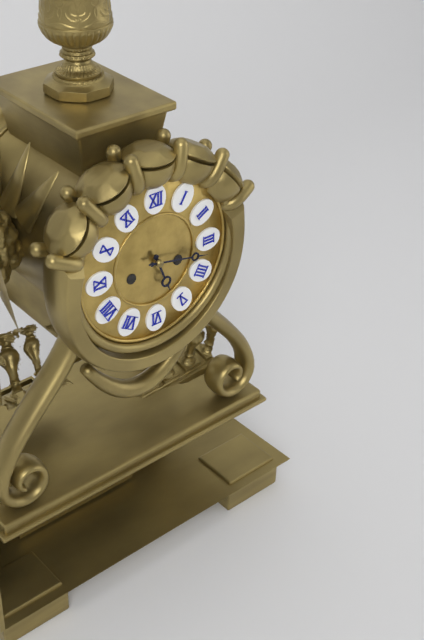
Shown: h=5 m=17
